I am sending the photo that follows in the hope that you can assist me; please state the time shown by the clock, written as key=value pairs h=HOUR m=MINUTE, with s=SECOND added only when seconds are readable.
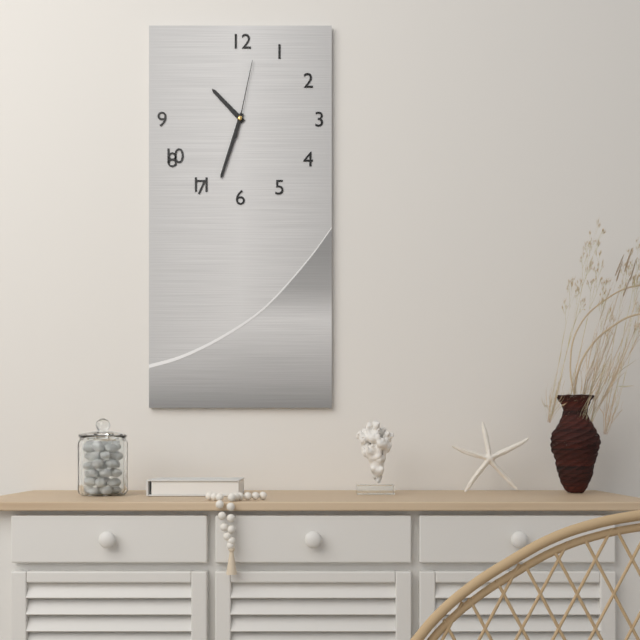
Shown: h=10 m=33 s=2
